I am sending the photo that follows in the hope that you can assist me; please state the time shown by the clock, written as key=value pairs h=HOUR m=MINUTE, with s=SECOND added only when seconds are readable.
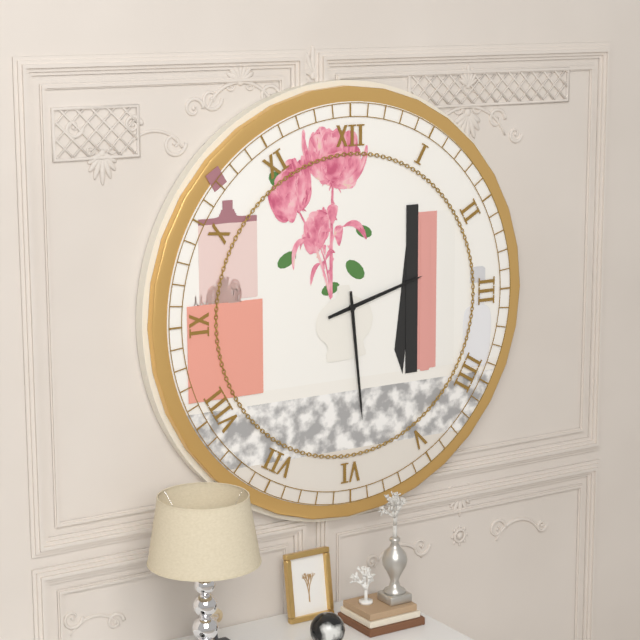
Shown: h=2 m=29
